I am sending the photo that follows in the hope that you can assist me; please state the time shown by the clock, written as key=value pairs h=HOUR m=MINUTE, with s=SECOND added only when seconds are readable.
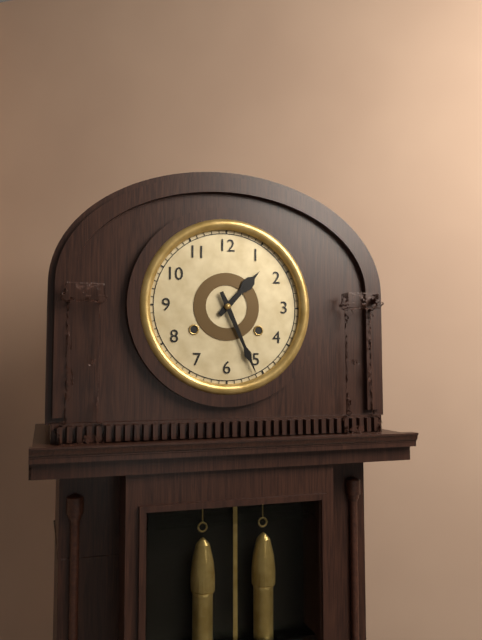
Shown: h=1 m=26
